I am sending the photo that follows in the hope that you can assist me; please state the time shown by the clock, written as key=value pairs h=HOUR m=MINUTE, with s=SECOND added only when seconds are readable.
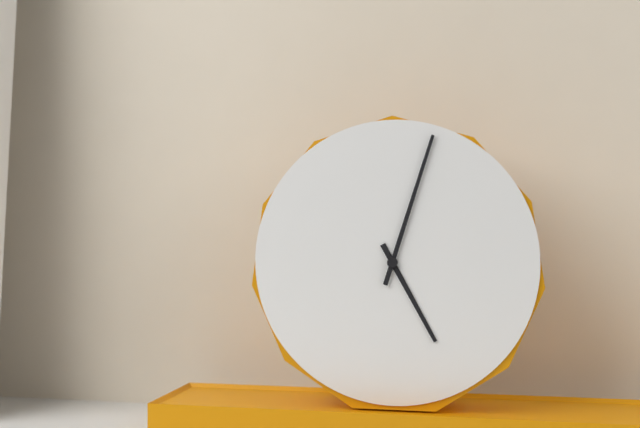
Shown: h=5 m=3
